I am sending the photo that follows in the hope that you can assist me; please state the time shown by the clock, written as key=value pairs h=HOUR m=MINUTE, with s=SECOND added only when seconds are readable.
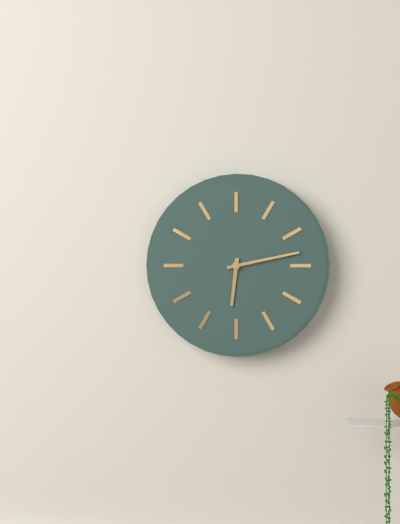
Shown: h=6 m=13
